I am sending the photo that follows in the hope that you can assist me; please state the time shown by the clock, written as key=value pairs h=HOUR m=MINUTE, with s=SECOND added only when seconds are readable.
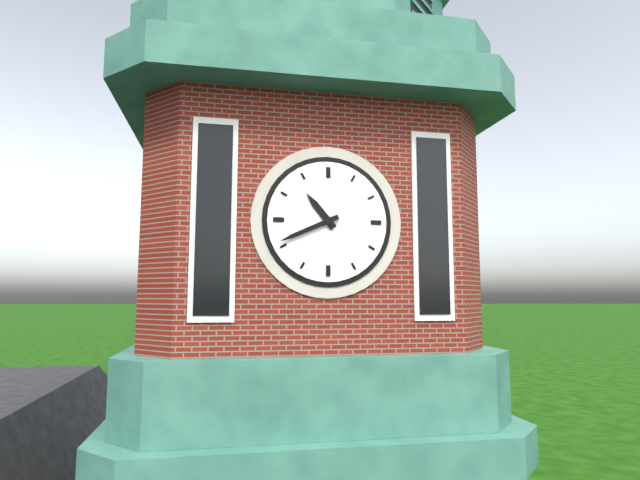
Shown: h=10 m=41
